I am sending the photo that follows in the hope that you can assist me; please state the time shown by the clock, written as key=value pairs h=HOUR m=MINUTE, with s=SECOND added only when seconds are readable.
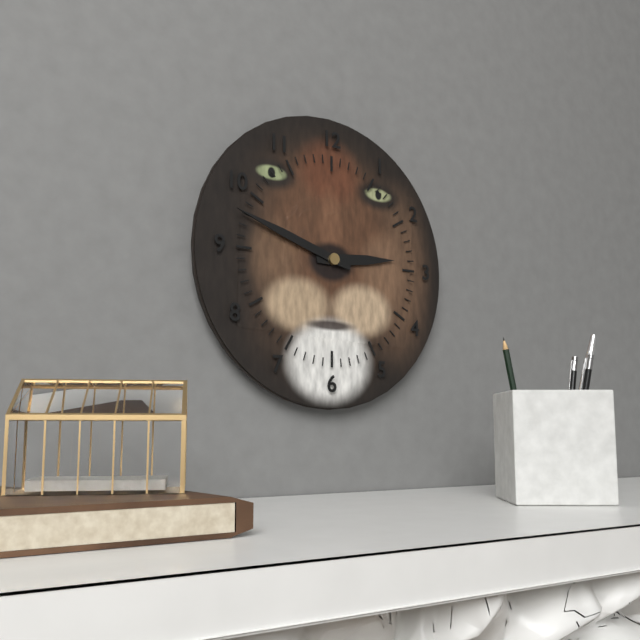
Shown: h=2 m=48
